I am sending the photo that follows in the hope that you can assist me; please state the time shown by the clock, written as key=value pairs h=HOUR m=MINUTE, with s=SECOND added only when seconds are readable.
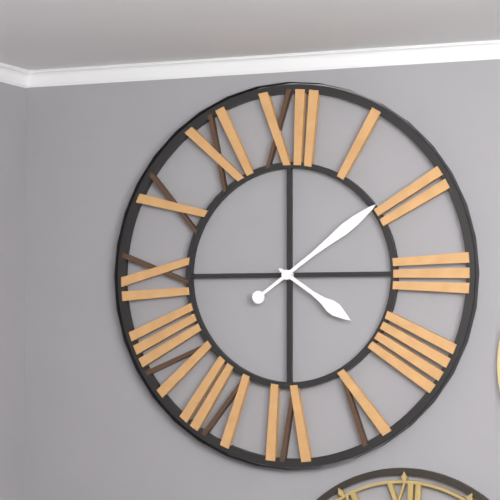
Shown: h=4 m=9
